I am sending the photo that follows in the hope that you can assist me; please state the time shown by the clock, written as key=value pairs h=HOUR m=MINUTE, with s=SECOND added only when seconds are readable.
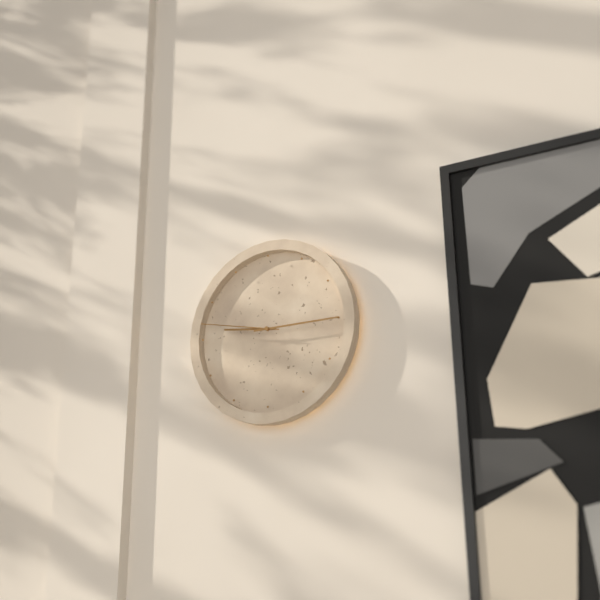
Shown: h=9 m=15 s=47
